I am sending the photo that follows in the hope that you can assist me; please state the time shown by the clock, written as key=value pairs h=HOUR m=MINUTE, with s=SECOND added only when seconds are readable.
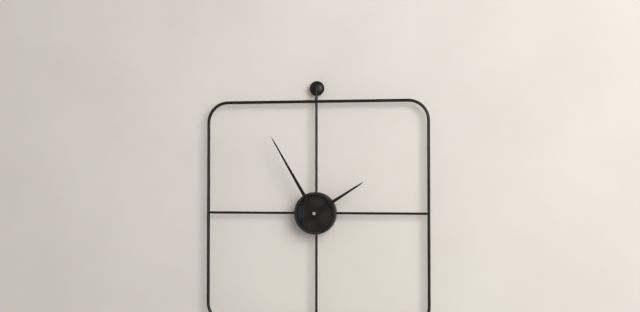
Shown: h=1 m=55
